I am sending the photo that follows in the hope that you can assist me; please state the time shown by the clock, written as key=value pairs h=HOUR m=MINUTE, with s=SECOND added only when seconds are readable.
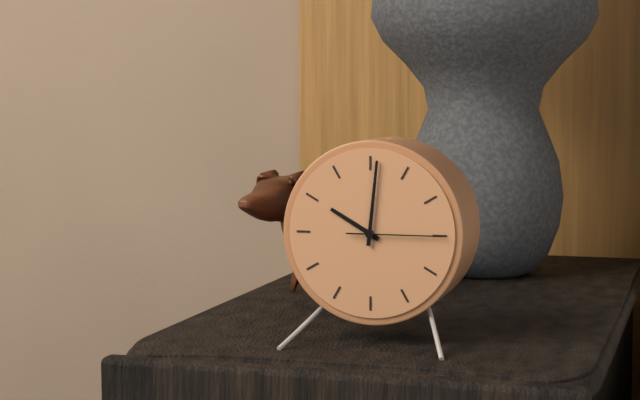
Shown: h=10 m=1 s=15
